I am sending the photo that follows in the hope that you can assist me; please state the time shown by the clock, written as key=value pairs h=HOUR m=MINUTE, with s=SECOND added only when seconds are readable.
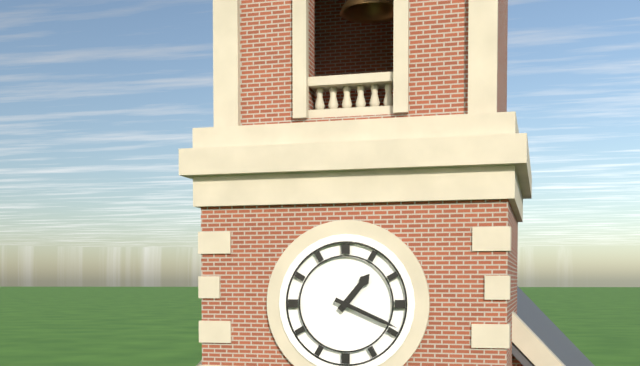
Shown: h=1 m=19
